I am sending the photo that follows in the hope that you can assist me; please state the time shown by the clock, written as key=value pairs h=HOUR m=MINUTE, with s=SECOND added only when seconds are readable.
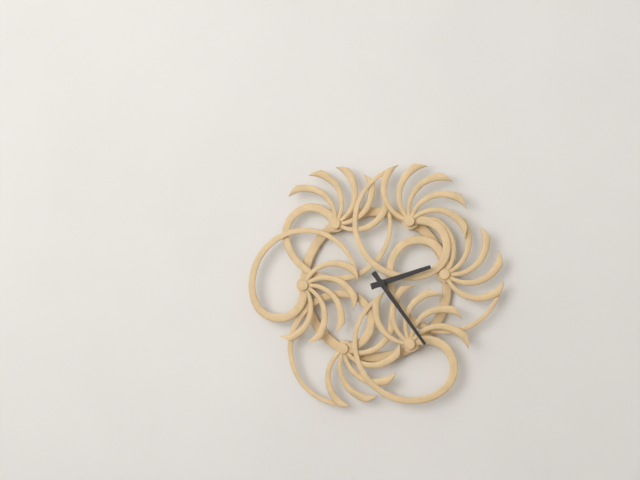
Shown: h=2 m=24
